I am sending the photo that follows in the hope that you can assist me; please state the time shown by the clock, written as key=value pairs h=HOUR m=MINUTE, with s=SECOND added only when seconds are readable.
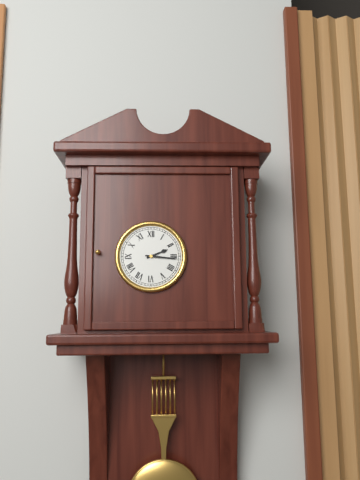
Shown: h=2 m=16
